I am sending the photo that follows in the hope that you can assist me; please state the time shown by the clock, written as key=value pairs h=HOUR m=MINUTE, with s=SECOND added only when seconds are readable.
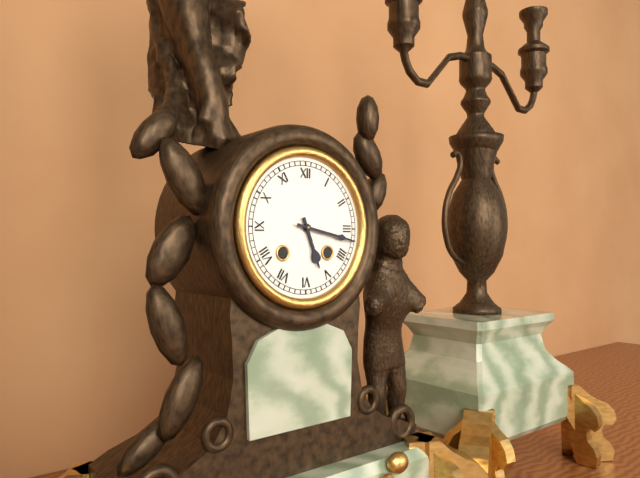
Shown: h=5 m=17
